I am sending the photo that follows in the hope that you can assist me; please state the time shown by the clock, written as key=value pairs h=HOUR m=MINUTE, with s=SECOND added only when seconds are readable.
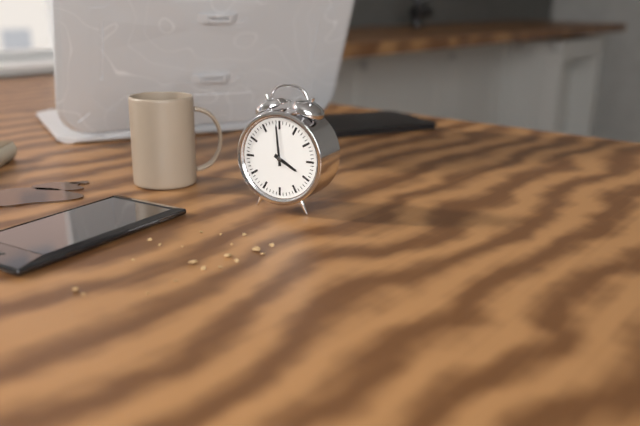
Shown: h=3 m=59
